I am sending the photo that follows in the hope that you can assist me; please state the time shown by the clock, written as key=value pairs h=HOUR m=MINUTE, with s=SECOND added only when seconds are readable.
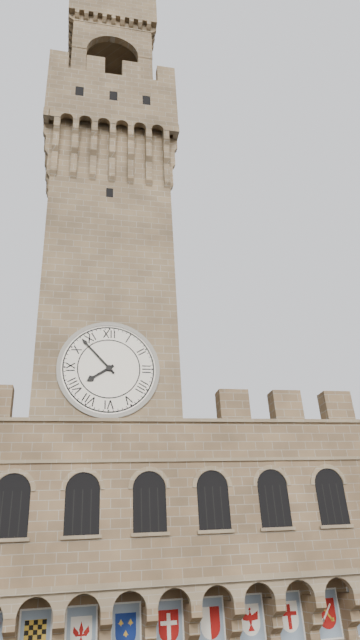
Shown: h=7 m=53
